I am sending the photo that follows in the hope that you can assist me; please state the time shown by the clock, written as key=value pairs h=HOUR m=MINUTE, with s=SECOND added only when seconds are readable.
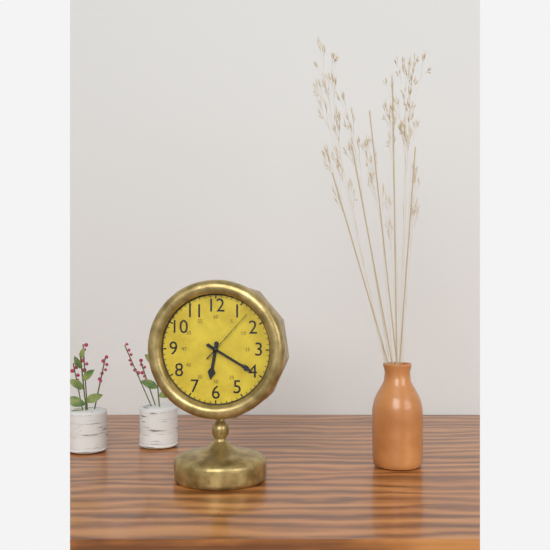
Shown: h=6 m=20 s=7
